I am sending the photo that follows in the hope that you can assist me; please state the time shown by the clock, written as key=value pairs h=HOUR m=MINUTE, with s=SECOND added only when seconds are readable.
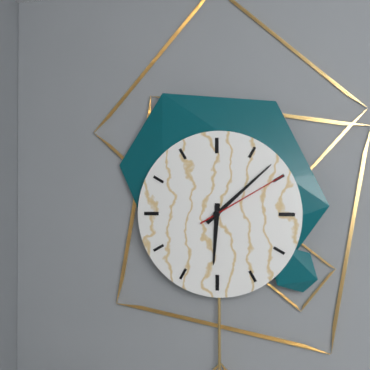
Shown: h=6 m=8 s=10
